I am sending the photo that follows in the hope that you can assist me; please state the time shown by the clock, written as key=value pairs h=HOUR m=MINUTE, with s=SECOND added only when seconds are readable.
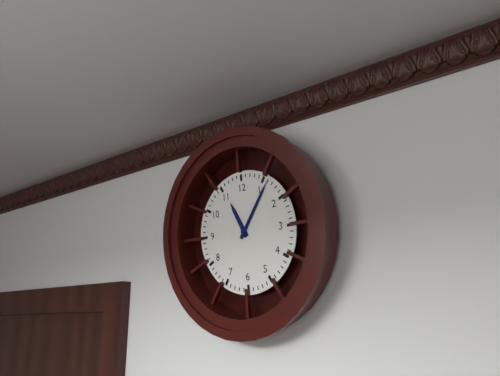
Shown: h=11 m=6
